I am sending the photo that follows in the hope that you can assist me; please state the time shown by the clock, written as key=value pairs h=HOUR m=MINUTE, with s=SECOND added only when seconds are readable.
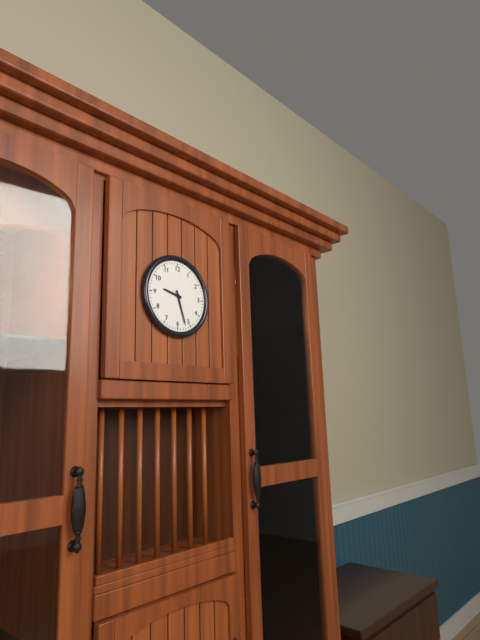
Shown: h=9 m=27
